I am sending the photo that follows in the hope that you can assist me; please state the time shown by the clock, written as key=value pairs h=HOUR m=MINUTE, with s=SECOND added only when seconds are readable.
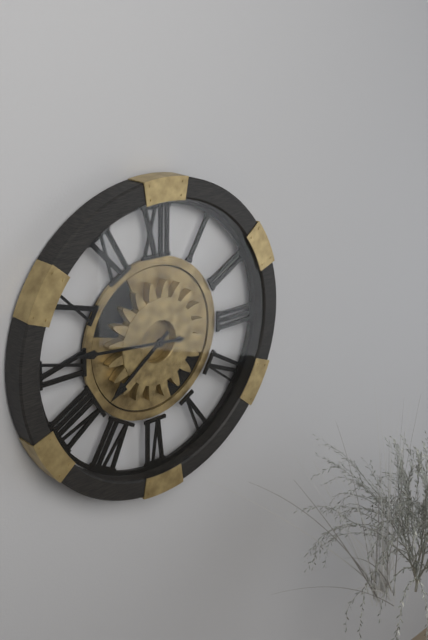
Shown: h=7 m=46
